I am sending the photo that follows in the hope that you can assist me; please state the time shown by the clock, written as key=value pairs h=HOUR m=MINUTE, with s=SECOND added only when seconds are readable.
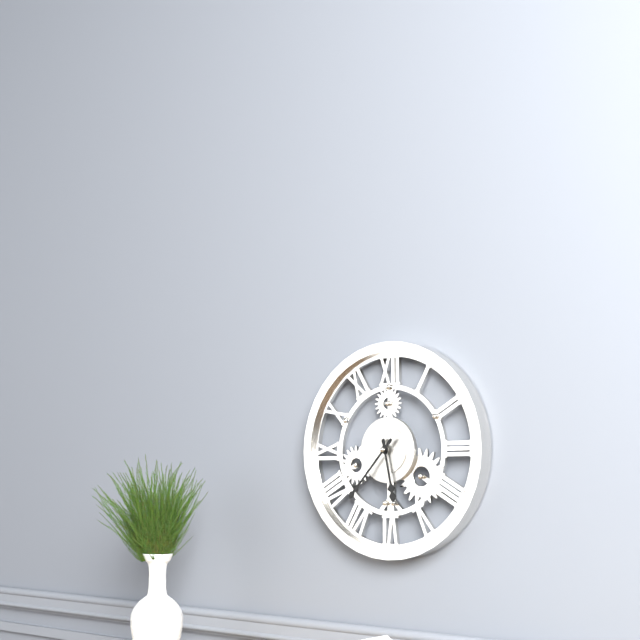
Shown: h=5 m=37
